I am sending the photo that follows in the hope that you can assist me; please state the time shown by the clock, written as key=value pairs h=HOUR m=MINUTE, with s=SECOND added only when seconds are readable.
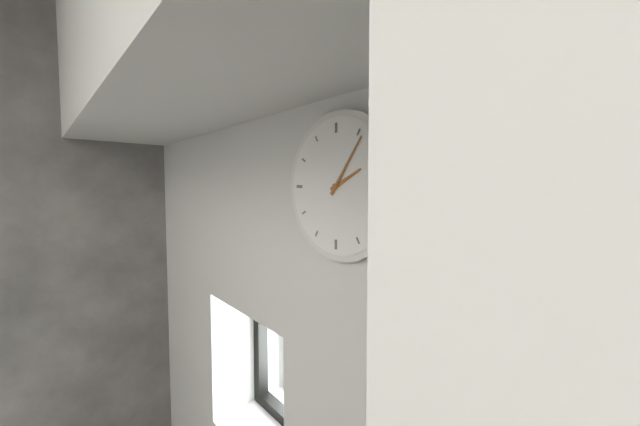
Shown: h=2 m=6
